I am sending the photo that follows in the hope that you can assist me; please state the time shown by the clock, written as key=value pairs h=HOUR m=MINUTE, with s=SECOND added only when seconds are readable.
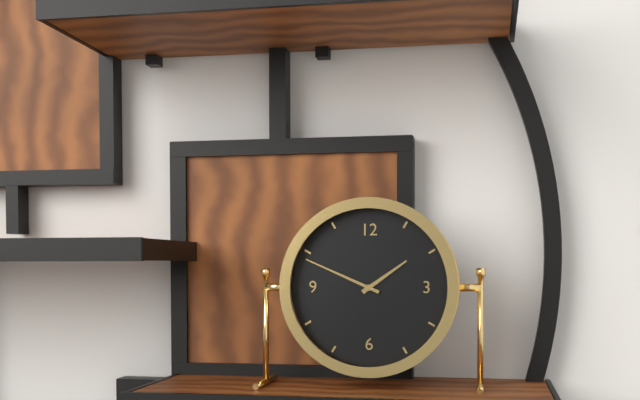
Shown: h=1 m=49
